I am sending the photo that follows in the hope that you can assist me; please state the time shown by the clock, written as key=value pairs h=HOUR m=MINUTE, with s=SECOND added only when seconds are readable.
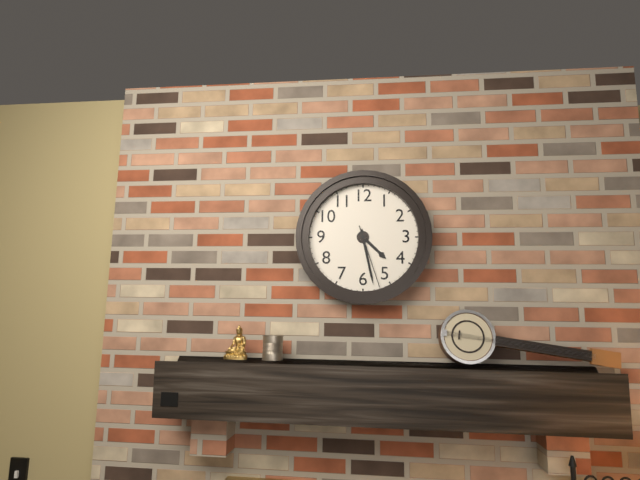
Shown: h=4 m=28 s=27
